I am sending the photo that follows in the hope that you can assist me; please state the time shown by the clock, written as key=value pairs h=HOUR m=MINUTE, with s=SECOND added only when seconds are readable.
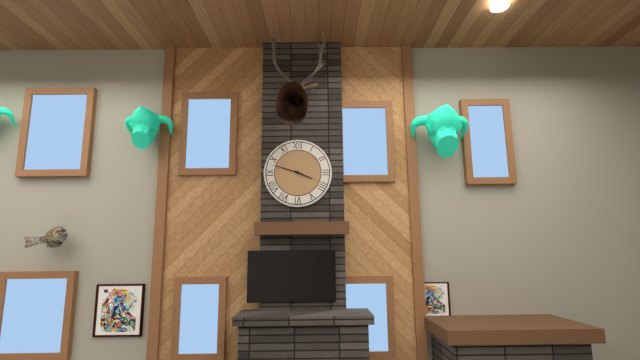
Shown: h=3 m=48
